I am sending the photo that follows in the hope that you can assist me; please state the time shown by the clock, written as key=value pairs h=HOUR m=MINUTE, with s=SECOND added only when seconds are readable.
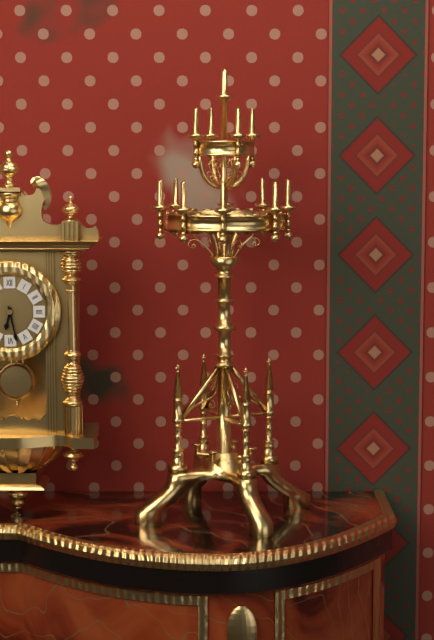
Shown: h=6 m=28
